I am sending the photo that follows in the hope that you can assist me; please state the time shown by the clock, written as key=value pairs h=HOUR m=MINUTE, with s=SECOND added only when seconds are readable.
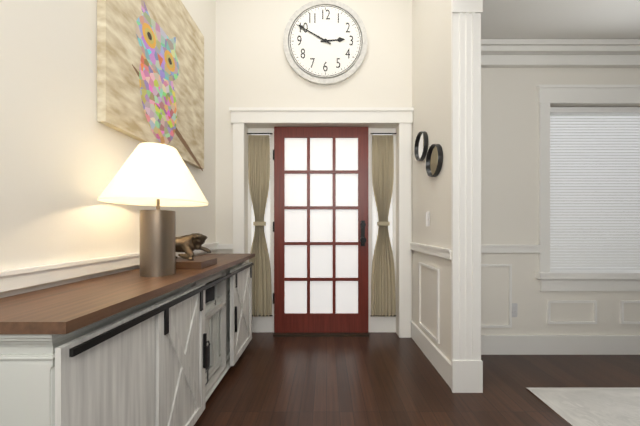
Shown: h=2 m=50
